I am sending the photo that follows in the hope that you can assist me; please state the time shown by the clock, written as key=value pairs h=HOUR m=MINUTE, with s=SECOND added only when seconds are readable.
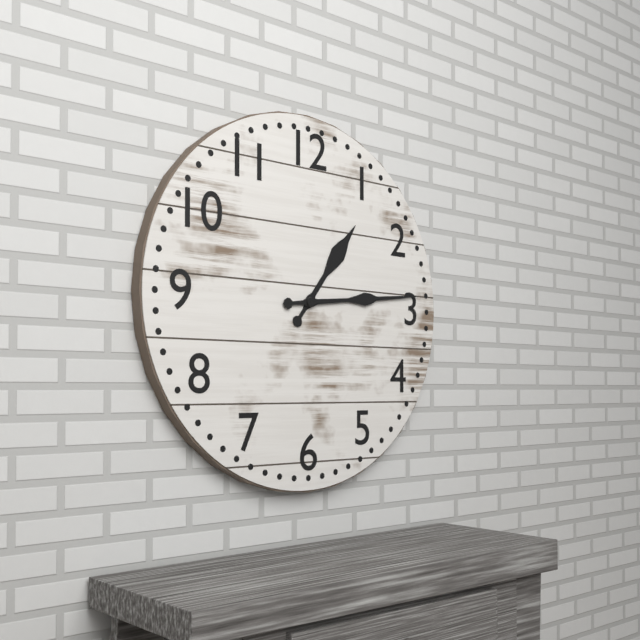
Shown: h=1 m=14
